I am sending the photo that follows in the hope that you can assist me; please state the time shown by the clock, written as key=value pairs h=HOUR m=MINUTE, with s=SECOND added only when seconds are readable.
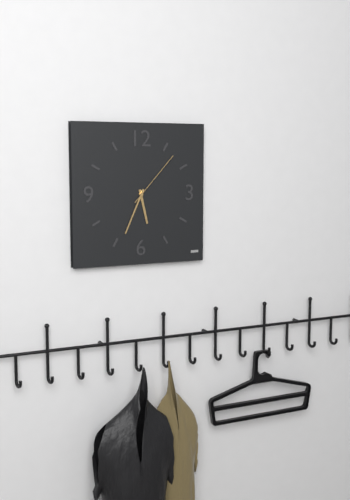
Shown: h=5 m=34 s=7
